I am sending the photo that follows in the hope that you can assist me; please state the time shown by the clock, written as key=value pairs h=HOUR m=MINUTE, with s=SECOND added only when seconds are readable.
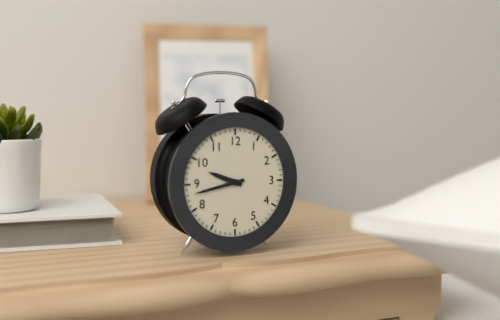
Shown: h=9 m=43
